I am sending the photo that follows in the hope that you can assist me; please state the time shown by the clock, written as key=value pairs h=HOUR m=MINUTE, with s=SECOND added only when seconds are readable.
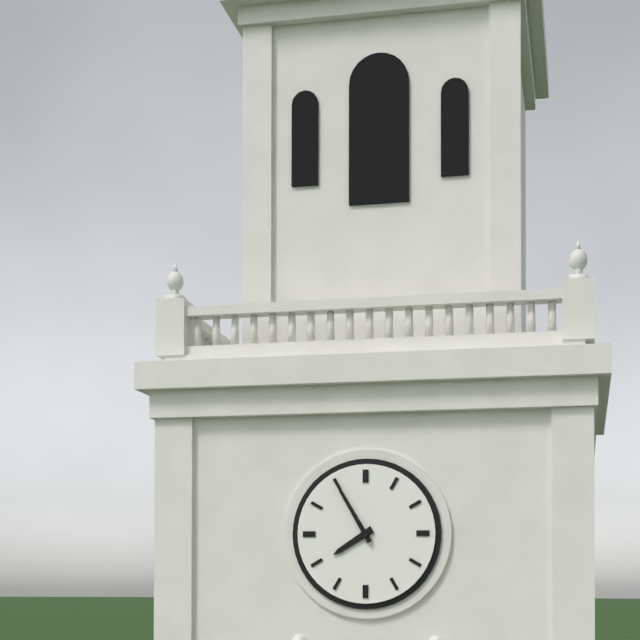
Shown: h=7 m=55
